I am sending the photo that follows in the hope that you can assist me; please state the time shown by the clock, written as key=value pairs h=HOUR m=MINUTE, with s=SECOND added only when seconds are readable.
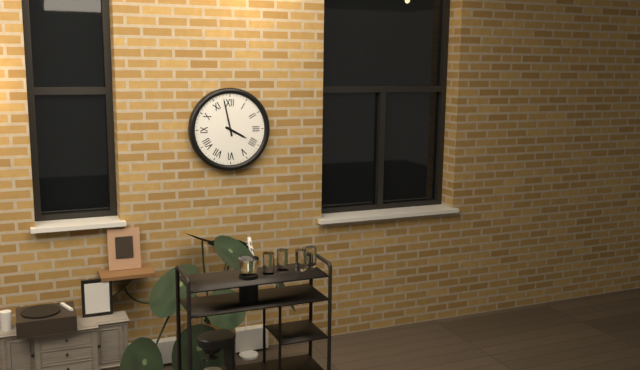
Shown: h=3 m=58
